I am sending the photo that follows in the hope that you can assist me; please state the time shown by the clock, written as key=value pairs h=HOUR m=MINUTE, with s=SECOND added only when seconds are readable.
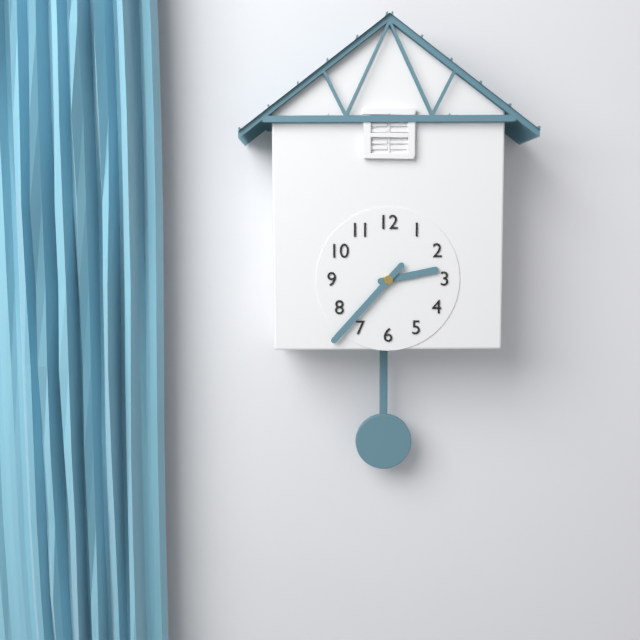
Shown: h=2 m=37
